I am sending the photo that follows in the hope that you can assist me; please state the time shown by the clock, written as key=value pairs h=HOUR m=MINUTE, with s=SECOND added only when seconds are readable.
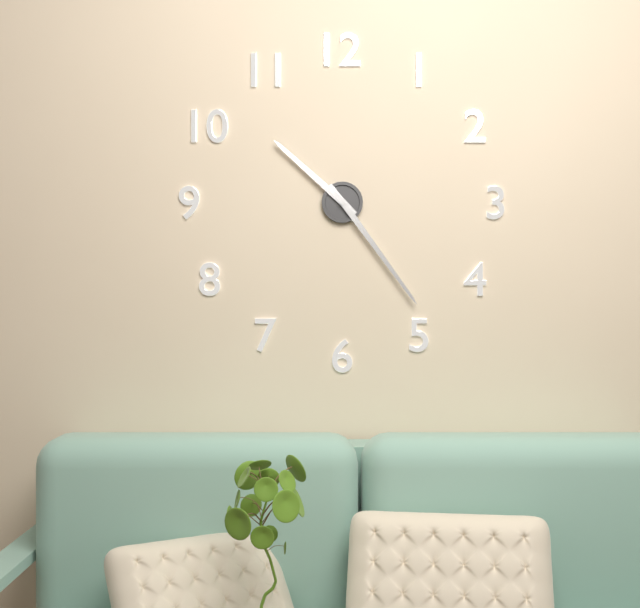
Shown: h=10 m=24
